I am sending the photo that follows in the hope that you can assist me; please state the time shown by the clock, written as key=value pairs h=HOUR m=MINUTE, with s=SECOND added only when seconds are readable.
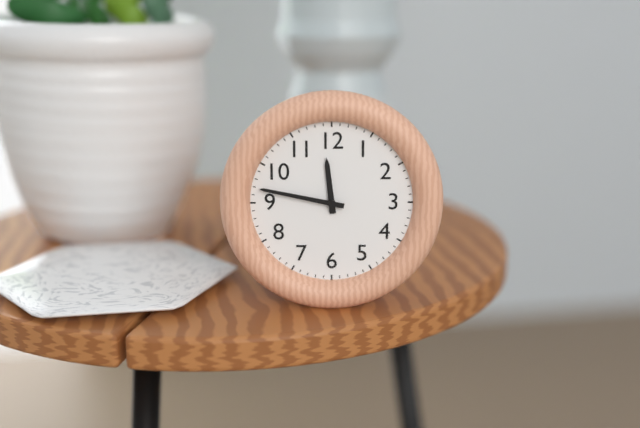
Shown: h=11 m=47
